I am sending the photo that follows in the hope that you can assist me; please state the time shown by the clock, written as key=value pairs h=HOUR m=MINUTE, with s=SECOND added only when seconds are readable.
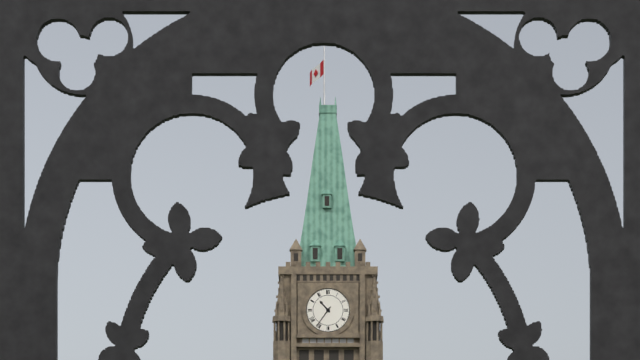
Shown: h=10 m=36
